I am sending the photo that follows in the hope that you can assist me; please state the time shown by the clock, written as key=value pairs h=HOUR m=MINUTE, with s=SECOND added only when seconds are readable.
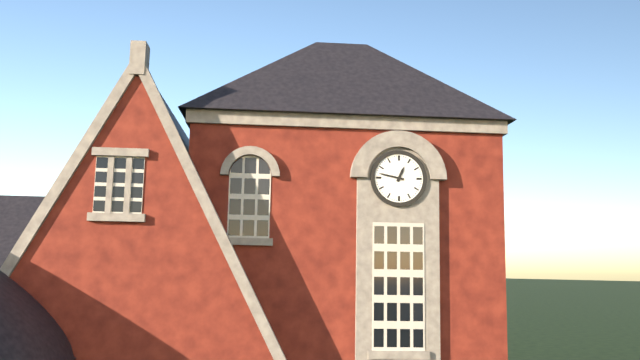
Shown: h=12 m=47
